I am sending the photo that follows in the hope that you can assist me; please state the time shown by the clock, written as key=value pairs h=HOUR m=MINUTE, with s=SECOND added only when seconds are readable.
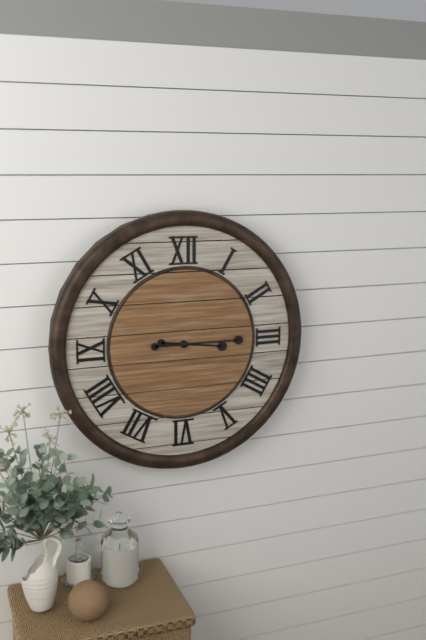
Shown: h=3 m=15
